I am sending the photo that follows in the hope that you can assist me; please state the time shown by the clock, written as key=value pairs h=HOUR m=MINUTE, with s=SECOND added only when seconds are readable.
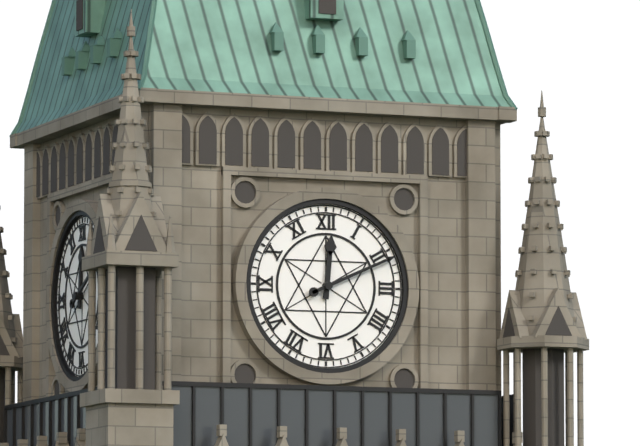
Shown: h=12 m=11
